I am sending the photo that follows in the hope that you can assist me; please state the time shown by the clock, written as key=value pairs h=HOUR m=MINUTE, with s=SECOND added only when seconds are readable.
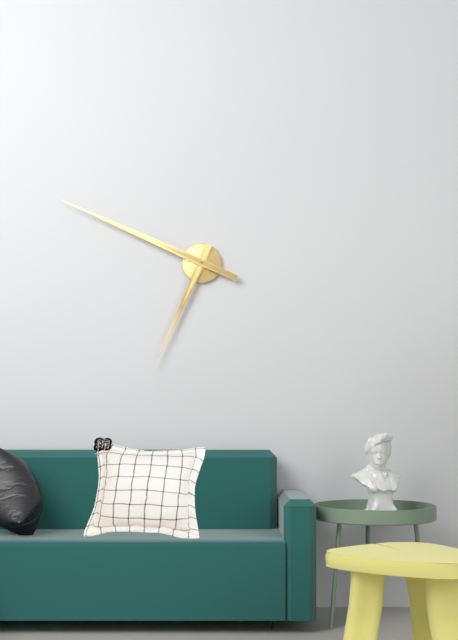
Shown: h=6 m=49
